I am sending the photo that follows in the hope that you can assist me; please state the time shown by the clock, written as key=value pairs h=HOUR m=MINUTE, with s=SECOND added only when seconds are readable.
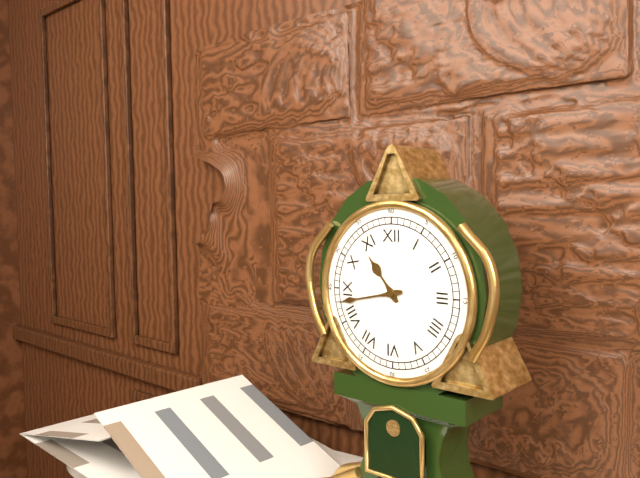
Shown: h=10 m=43
